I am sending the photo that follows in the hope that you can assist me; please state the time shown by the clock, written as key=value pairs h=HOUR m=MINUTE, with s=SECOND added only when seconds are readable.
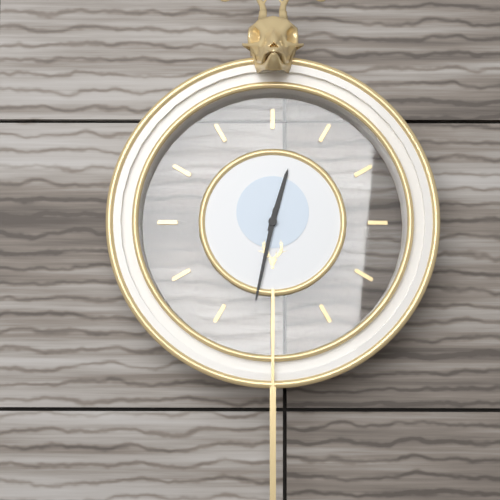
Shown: h=12 m=32
